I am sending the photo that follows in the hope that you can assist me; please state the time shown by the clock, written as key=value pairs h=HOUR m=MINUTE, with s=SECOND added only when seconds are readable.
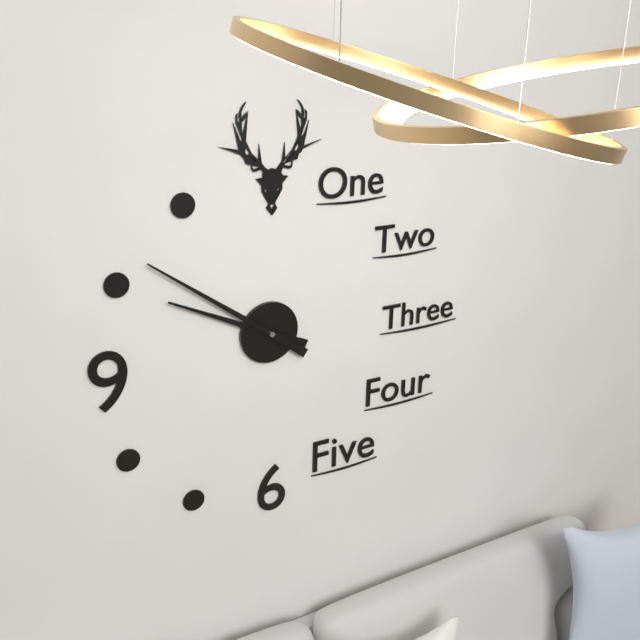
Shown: h=9 m=51
